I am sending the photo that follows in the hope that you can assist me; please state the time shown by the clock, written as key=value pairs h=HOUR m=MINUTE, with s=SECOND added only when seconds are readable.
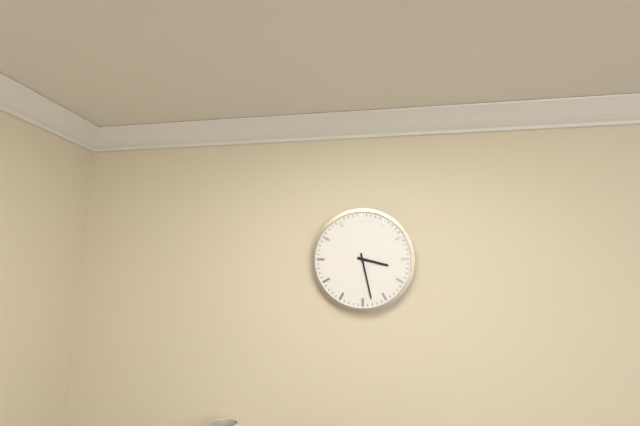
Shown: h=3 m=28
